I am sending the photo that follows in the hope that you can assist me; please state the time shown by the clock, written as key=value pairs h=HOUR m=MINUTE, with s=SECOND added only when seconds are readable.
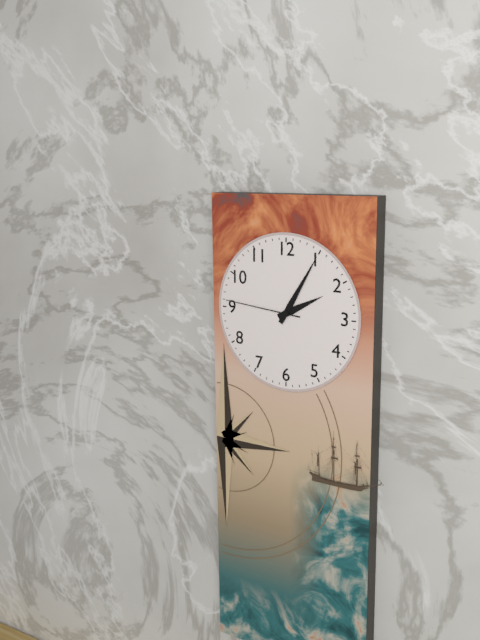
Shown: h=2 m=5 s=46
